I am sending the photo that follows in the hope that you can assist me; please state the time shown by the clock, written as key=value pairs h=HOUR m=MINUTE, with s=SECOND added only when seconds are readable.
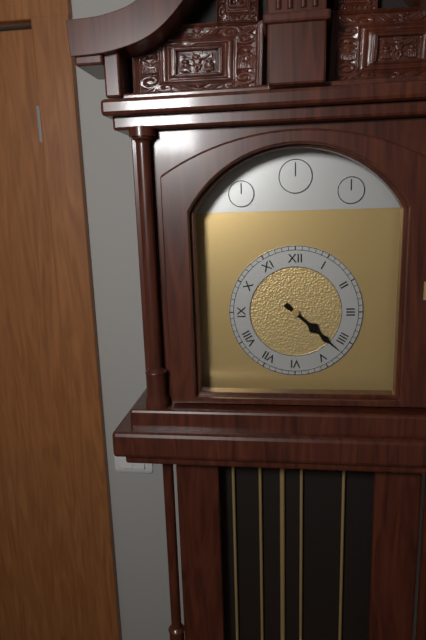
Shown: h=4 m=22
